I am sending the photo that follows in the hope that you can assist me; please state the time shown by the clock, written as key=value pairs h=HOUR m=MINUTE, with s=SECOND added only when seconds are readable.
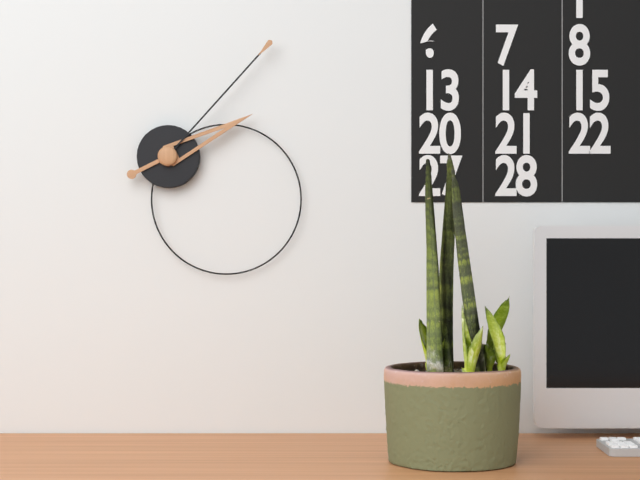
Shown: h=2 m=7
